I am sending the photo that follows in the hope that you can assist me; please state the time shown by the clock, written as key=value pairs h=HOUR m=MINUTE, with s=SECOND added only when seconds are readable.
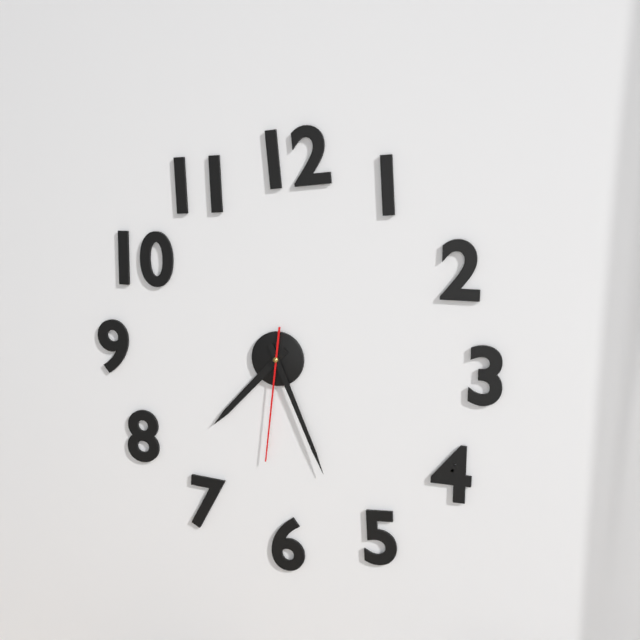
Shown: h=7 m=26 s=31
